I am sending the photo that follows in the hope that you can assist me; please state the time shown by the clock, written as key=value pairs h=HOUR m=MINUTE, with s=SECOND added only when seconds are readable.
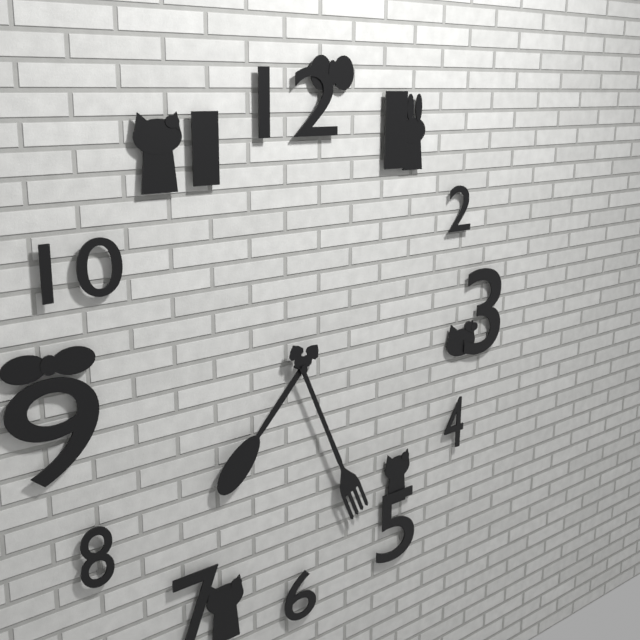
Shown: h=7 m=26
